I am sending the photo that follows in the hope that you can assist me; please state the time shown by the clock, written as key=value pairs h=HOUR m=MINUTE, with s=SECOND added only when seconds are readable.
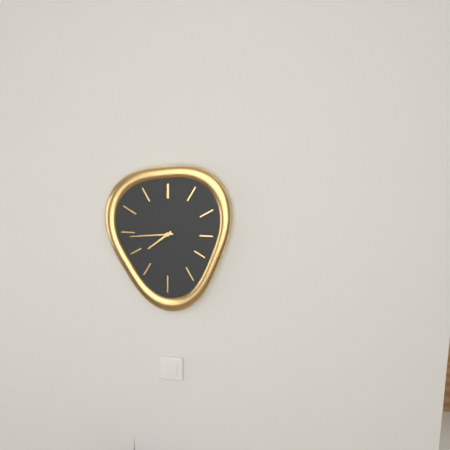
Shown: h=7 m=44
